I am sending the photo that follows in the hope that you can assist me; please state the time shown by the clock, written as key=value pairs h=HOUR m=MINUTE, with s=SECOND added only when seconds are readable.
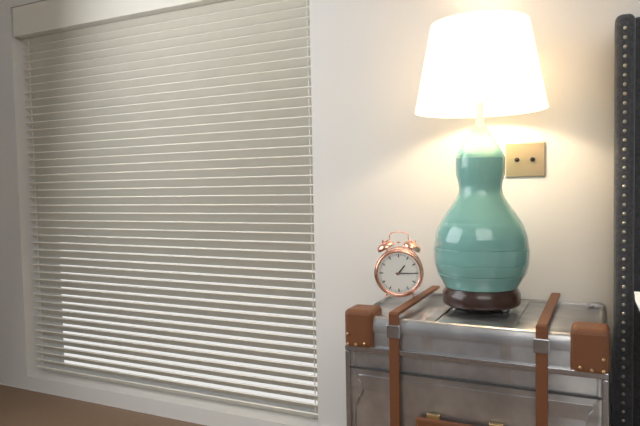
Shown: h=1 m=15
